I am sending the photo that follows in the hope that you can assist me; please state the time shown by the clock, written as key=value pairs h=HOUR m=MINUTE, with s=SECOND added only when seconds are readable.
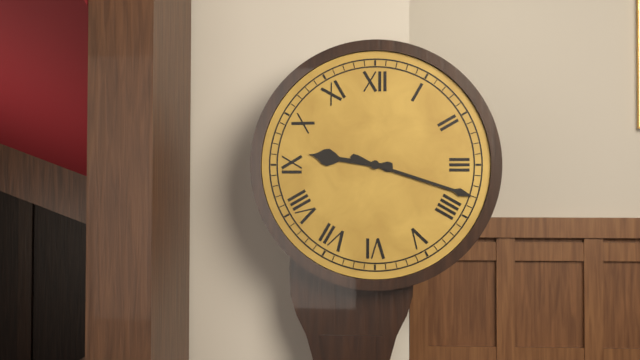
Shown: h=9 m=18
